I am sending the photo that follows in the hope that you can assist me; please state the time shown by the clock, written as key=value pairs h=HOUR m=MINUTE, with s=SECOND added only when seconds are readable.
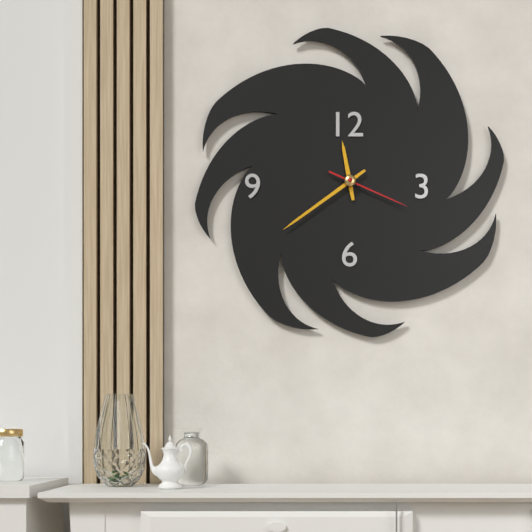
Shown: h=11 m=39 s=19
